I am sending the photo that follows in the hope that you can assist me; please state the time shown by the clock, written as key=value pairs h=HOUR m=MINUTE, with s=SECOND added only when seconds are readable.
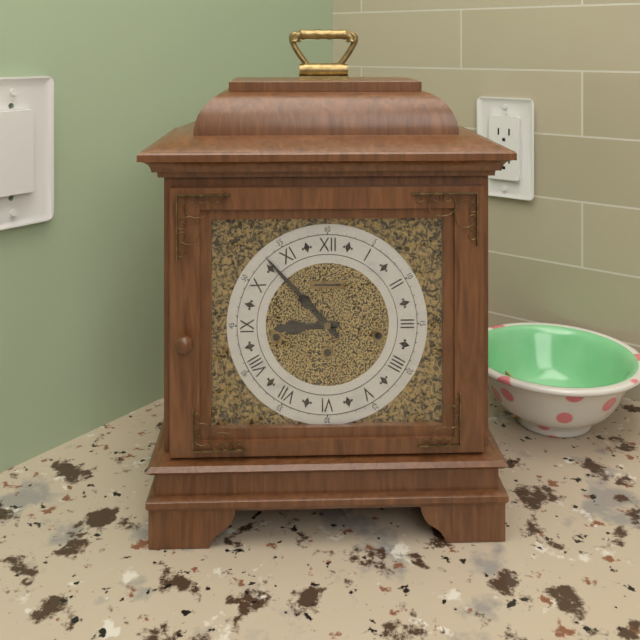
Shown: h=8 m=53
